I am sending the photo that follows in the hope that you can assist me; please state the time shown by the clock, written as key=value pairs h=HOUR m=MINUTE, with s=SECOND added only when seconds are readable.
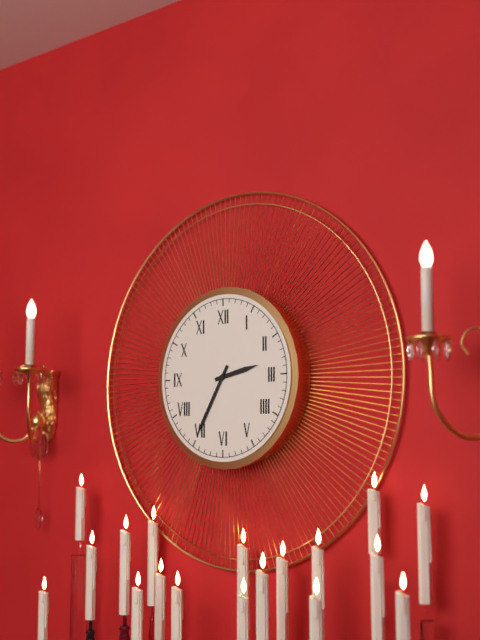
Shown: h=2 m=35
